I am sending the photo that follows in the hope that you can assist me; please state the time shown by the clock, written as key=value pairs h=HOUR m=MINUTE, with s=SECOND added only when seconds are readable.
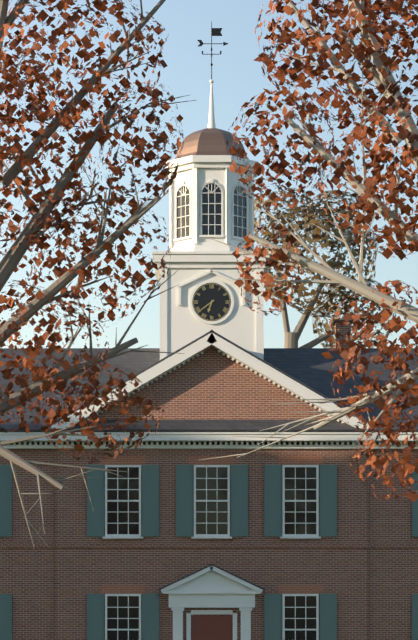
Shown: h=6 m=39
